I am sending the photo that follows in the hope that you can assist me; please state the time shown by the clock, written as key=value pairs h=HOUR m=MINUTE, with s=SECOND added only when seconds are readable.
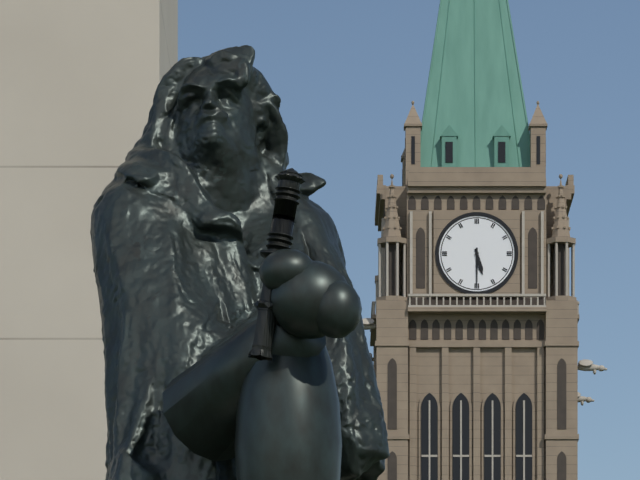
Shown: h=5 m=30
